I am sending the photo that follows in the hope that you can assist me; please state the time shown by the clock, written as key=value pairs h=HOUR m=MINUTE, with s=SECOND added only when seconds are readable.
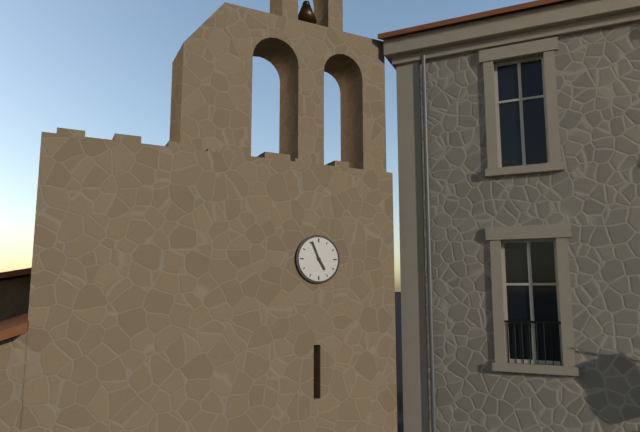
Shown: h=4 m=56
